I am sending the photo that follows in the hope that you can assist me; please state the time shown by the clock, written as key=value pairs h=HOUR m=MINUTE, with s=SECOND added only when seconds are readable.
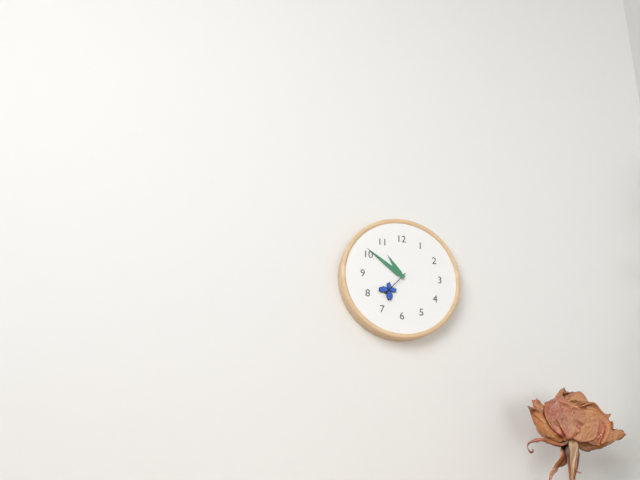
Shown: h=10 m=51
